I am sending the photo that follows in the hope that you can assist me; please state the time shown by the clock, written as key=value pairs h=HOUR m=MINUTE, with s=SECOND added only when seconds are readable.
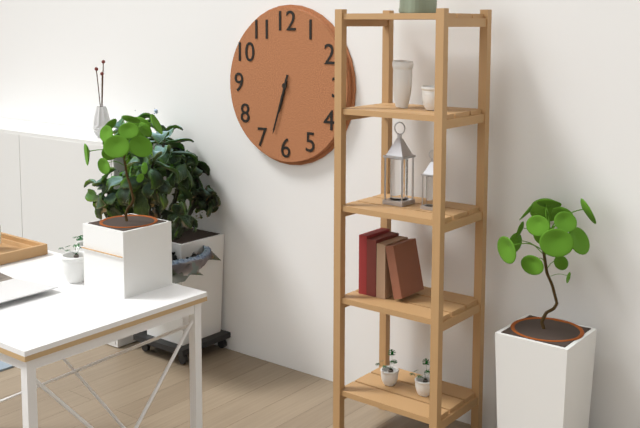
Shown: h=6 m=33
